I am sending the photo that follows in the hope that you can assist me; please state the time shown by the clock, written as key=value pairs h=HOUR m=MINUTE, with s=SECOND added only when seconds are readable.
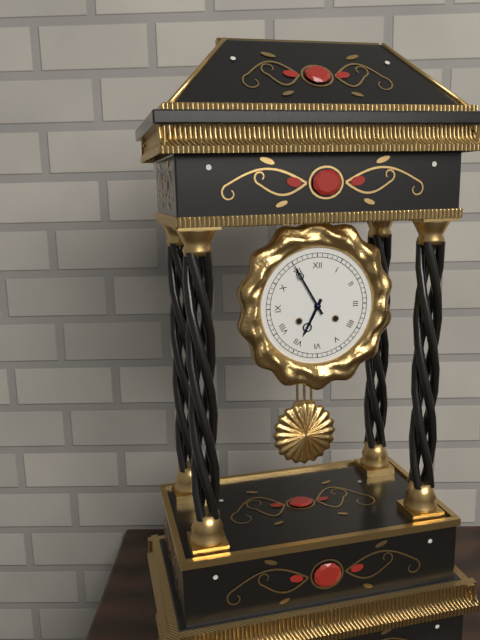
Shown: h=6 m=55
